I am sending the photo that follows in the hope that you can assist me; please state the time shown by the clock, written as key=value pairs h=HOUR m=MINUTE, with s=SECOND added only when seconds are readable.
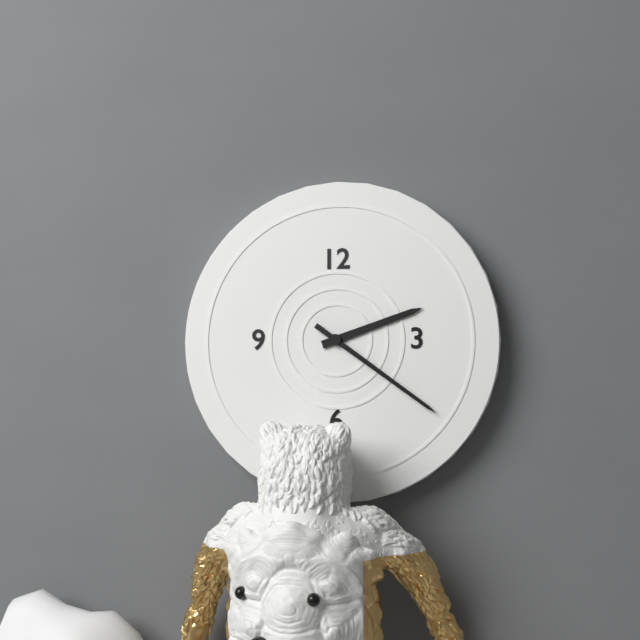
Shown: h=2 m=21
